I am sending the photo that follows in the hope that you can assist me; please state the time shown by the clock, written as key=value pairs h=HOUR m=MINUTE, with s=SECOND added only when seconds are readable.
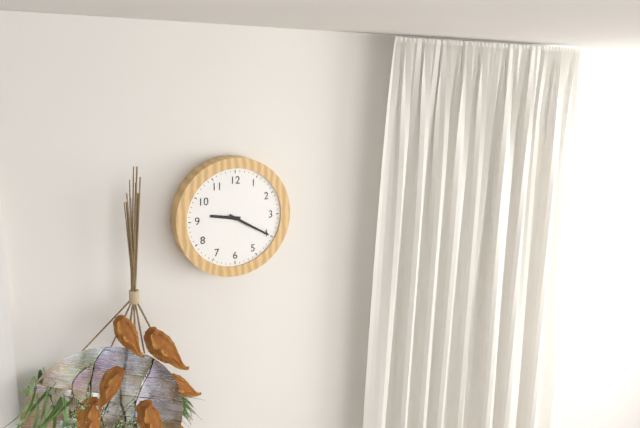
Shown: h=9 m=20
